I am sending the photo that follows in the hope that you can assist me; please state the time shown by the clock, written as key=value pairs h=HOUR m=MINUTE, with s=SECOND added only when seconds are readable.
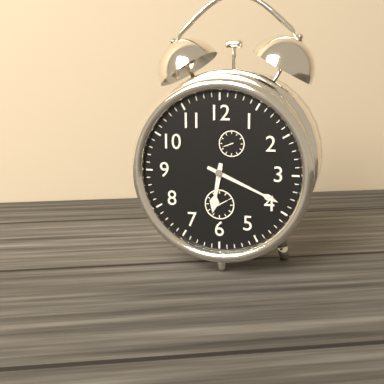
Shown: h=6 m=19
